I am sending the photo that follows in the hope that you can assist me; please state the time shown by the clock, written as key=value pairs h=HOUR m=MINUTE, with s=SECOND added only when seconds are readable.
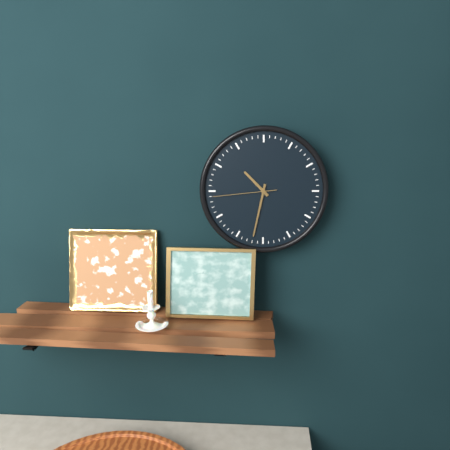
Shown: h=10 m=32 s=44
